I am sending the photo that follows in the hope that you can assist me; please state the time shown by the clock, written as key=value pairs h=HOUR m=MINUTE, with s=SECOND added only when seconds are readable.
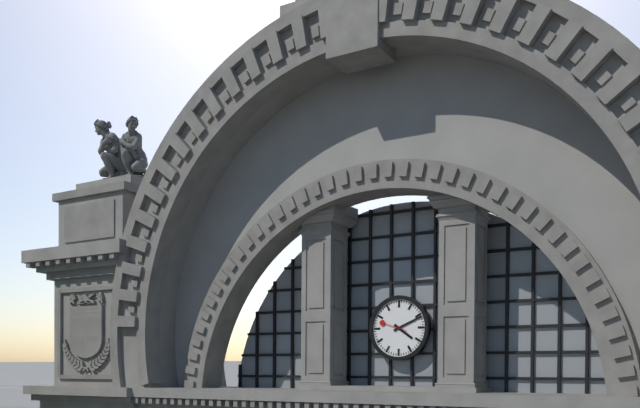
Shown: h=4 m=11
